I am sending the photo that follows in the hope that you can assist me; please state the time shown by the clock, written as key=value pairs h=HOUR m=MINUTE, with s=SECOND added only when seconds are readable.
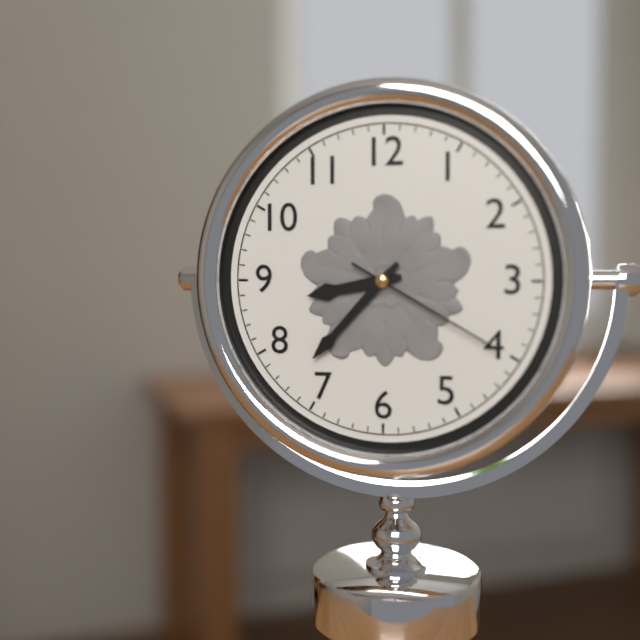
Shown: h=8 m=37 s=20
